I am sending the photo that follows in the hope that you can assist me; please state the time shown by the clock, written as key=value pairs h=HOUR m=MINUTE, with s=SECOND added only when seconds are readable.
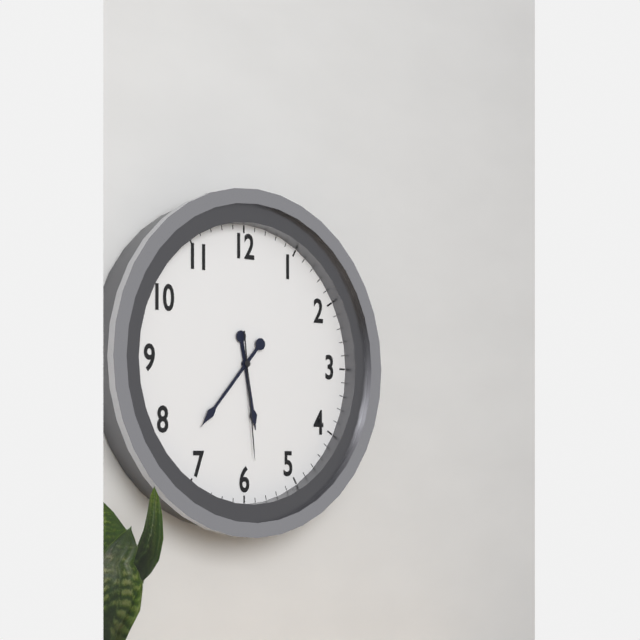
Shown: h=5 m=37 s=29
